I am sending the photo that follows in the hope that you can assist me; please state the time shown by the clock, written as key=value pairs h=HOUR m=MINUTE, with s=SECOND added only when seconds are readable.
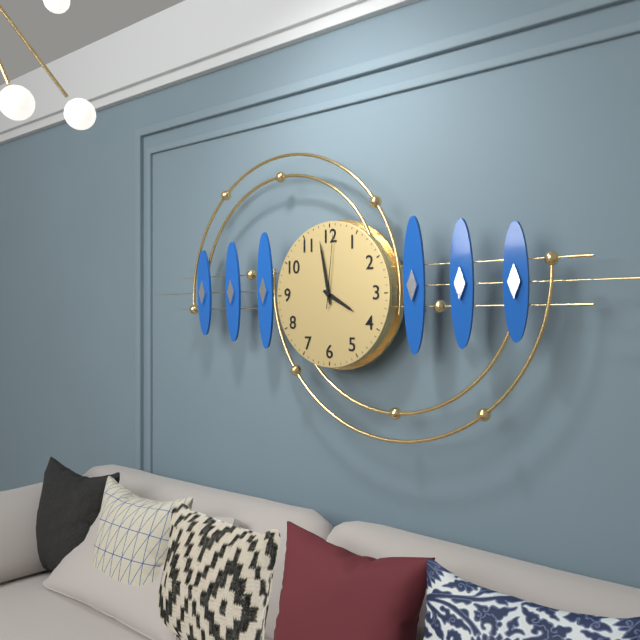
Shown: h=3 m=58 s=1
